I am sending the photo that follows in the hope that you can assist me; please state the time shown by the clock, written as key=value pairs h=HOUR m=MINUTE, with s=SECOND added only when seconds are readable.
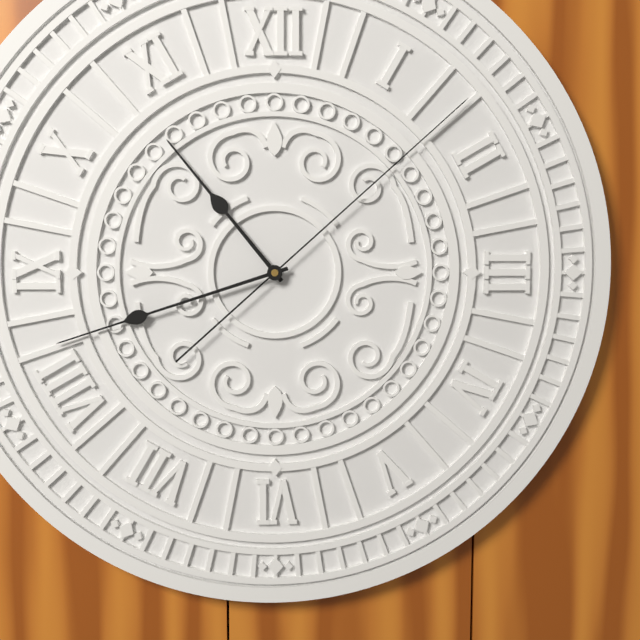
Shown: h=10 m=42 s=8
